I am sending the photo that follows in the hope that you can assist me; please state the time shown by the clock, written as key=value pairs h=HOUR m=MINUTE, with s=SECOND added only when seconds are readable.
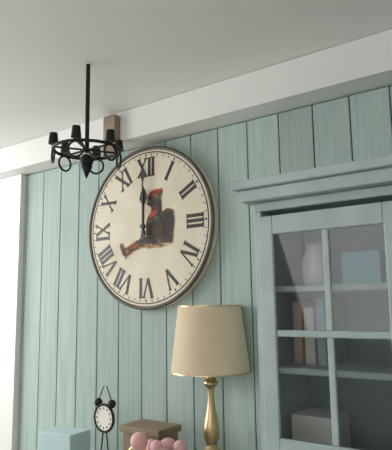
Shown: h=12 m=0
